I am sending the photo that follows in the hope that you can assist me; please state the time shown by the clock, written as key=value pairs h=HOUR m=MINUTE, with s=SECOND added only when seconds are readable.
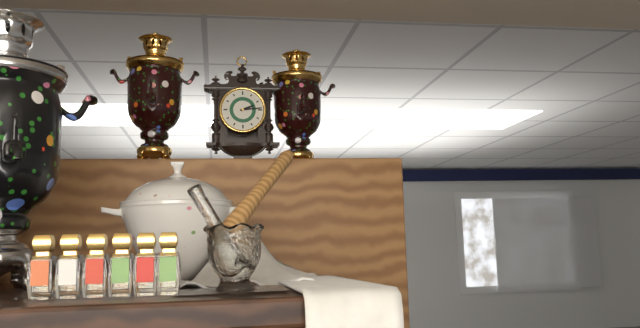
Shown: h=2 m=14
